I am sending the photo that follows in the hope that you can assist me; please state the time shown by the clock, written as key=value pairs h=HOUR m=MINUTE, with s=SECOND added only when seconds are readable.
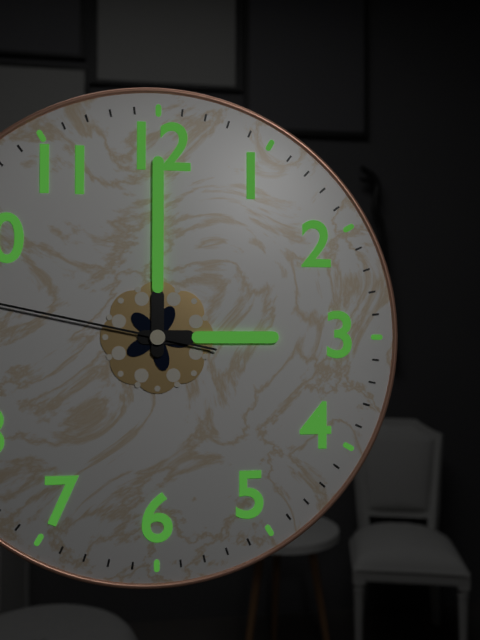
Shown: h=3 m=0
